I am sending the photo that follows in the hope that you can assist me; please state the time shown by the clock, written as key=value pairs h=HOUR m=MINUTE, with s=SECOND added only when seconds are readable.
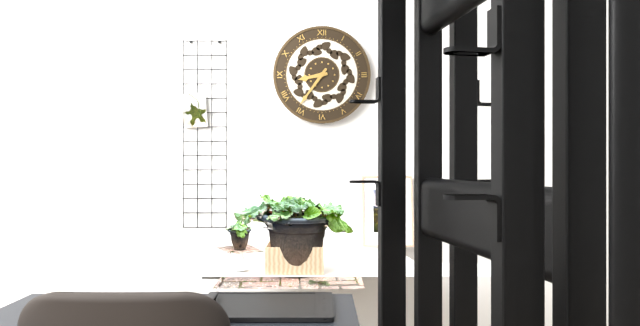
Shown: h=8 m=36
